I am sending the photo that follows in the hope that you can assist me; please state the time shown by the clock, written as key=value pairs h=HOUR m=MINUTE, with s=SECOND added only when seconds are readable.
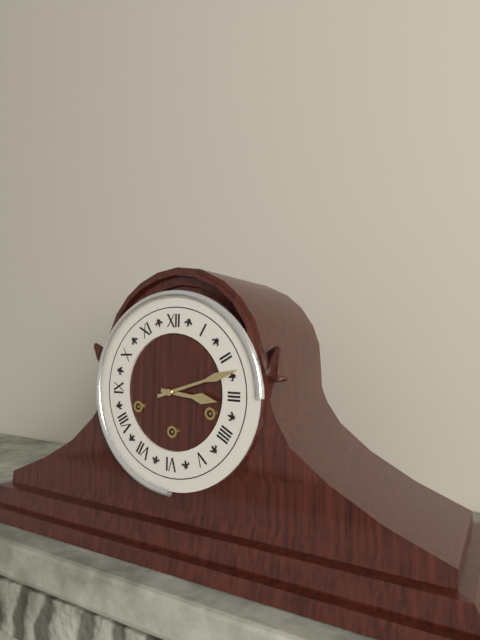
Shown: h=3 m=12
